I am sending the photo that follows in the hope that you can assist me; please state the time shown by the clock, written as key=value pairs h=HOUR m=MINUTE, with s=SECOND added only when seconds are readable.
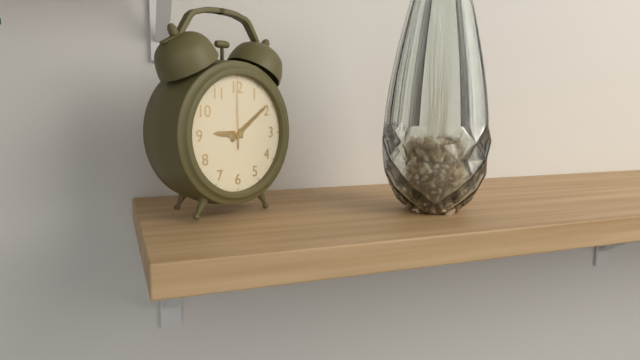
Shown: h=9 m=9 s=0
